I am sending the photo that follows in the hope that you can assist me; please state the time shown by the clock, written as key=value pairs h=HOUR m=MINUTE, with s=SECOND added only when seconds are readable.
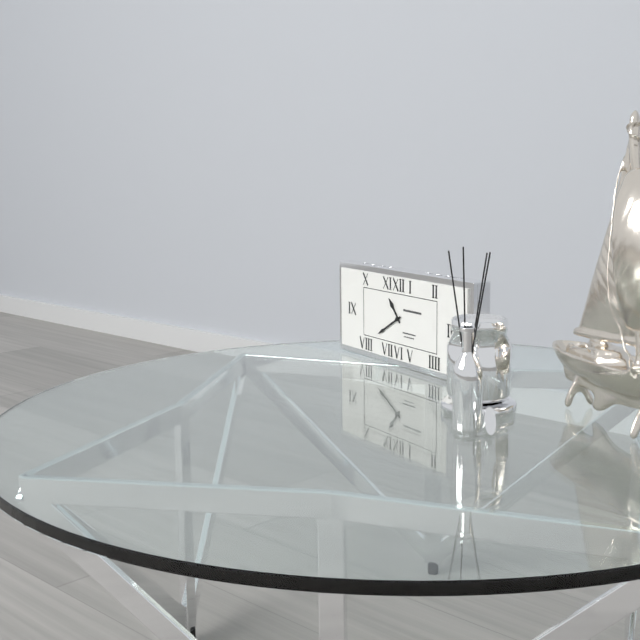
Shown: h=10 m=40
